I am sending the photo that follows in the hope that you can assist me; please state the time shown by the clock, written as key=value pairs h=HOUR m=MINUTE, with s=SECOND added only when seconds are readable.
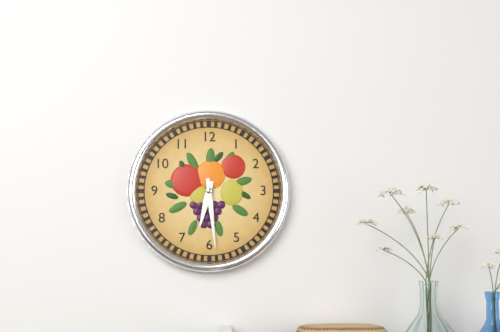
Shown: h=6 m=29
